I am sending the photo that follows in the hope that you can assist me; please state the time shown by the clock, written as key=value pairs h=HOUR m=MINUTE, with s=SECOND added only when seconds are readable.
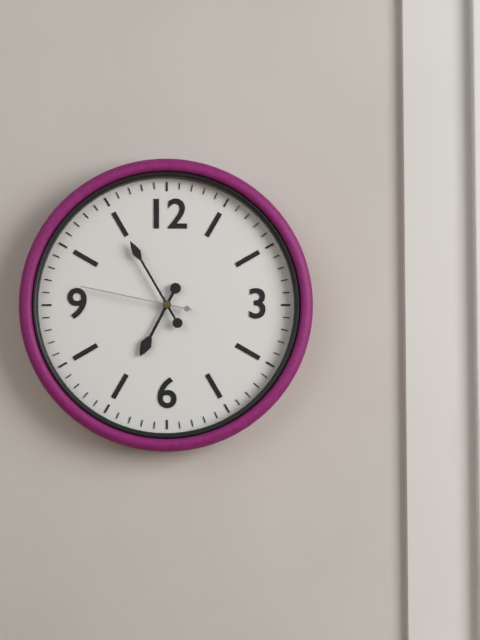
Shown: h=6 m=55 s=47
